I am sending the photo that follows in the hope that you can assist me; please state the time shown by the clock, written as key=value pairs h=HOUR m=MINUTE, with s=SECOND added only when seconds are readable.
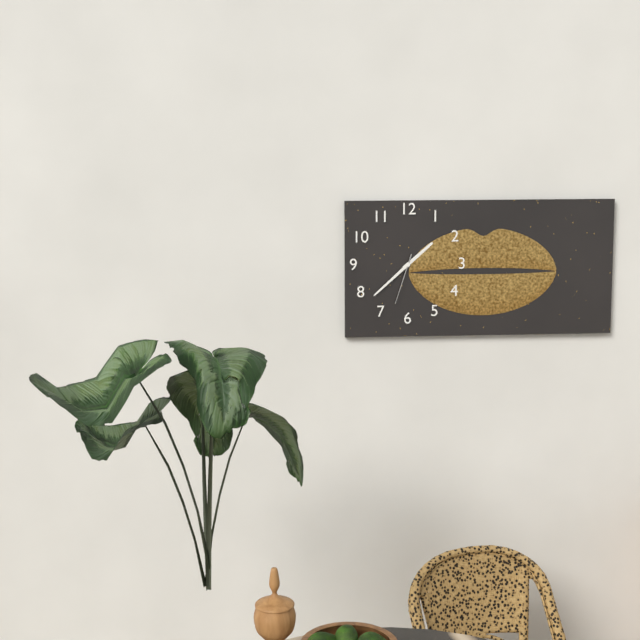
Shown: h=1 m=38 s=33
